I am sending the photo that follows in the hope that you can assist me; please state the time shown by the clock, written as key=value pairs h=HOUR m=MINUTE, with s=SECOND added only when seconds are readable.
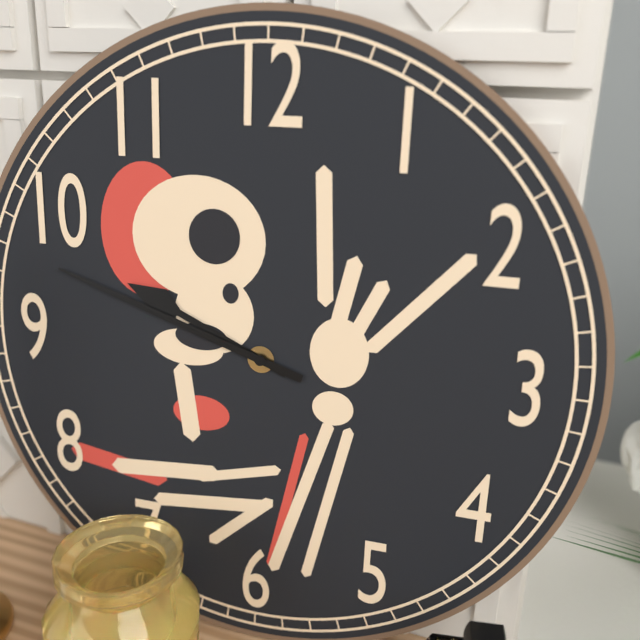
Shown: h=9 m=48
